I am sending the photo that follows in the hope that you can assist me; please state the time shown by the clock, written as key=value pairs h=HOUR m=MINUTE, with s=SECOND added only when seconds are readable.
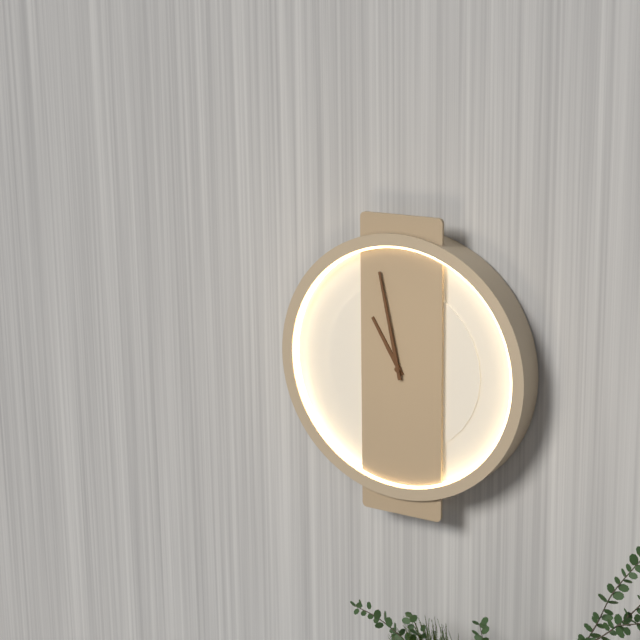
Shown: h=10 m=58
